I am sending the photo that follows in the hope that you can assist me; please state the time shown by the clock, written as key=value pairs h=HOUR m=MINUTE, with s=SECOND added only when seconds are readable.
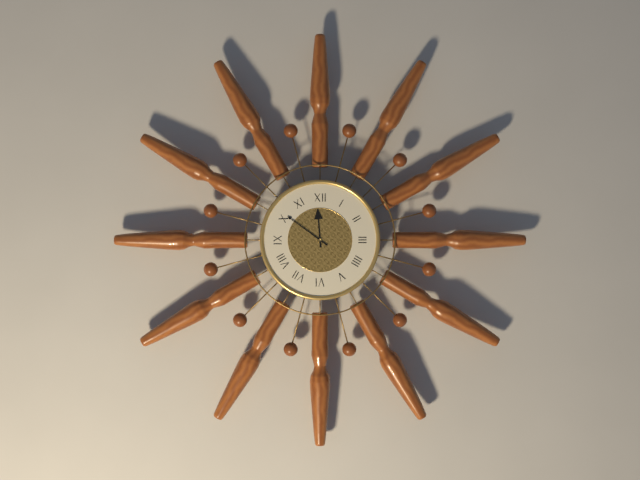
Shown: h=11 m=51
